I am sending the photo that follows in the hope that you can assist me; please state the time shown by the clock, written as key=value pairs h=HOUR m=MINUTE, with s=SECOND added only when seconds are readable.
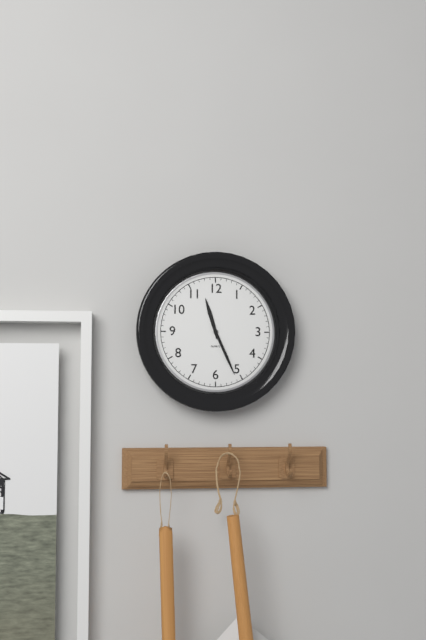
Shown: h=11 m=26
